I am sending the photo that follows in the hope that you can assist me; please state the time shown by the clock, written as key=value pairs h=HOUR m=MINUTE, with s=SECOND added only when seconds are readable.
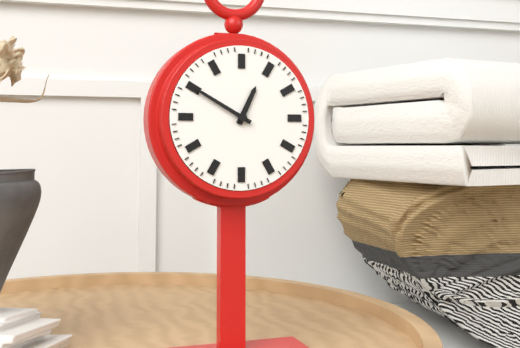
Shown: h=12 m=50
